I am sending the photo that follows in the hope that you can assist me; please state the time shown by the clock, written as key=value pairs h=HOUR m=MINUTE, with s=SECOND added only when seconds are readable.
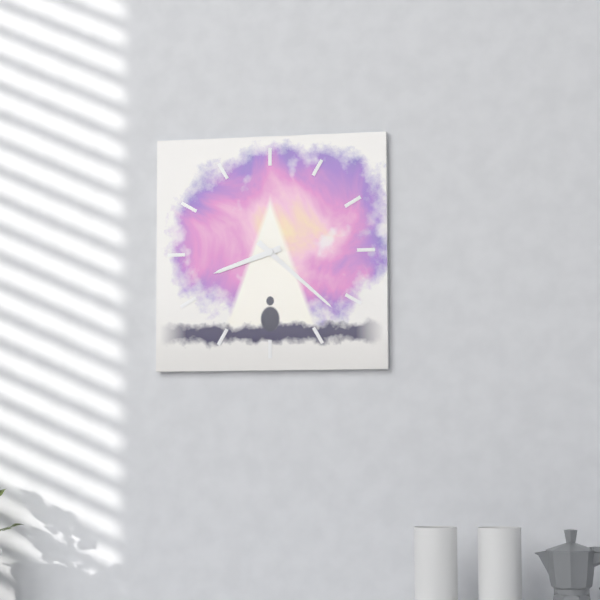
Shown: h=8 m=22
